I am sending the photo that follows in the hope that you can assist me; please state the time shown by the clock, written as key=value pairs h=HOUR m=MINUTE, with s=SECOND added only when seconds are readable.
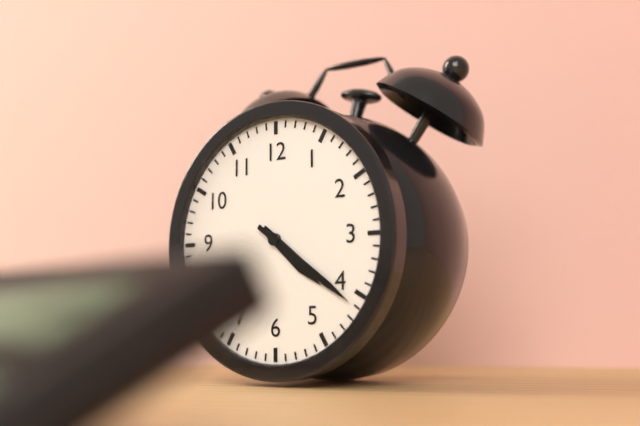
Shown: h=4 m=21
